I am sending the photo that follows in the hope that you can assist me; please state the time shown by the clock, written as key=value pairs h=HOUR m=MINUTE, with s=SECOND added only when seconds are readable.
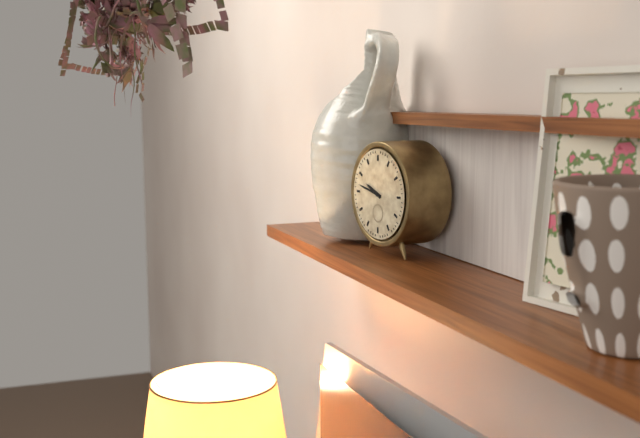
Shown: h=9 m=47
